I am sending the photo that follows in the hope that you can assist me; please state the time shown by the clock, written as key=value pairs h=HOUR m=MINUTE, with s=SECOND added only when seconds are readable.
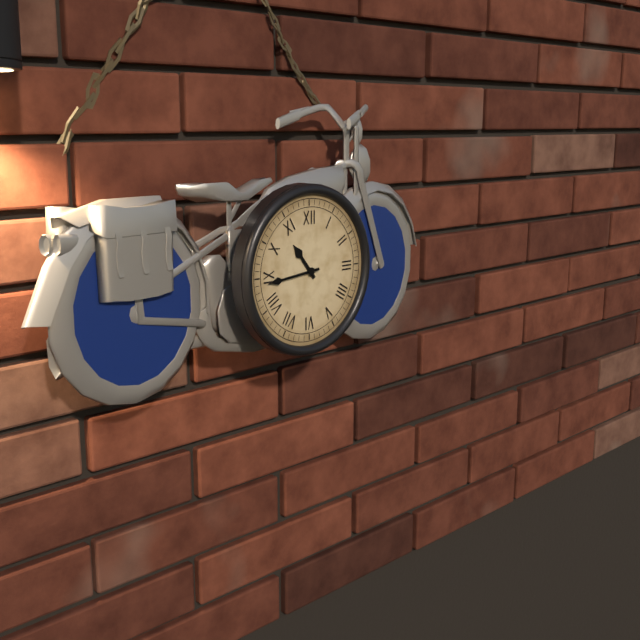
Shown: h=10 m=44
